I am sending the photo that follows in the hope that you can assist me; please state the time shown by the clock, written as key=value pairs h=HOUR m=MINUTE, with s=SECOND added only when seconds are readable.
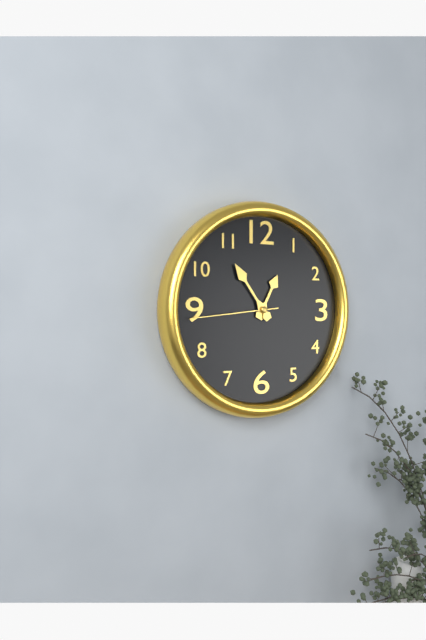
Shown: h=12 m=54 s=44
